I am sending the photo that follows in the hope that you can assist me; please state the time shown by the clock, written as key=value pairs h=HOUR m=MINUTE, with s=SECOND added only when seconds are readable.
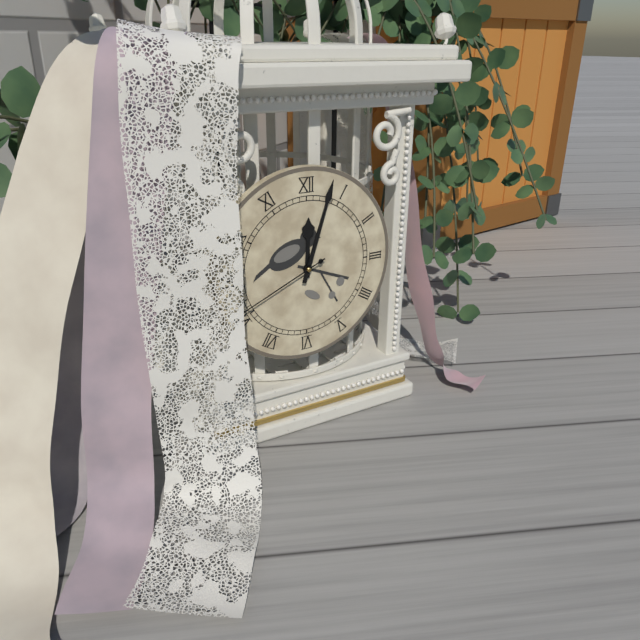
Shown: h=12 m=3 s=41
